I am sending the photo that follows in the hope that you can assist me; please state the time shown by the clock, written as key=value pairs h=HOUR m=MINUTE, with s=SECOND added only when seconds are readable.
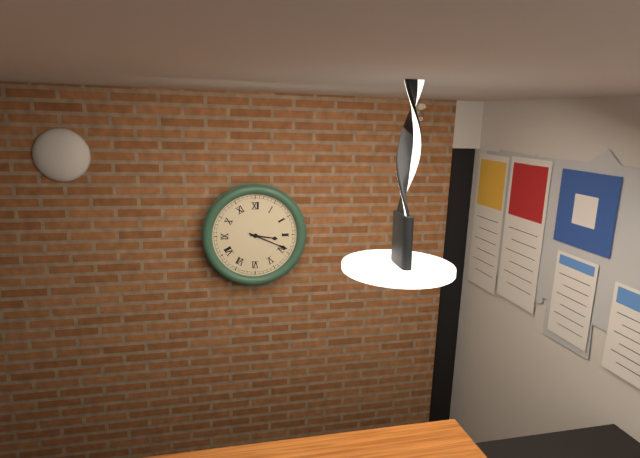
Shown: h=3 m=19
